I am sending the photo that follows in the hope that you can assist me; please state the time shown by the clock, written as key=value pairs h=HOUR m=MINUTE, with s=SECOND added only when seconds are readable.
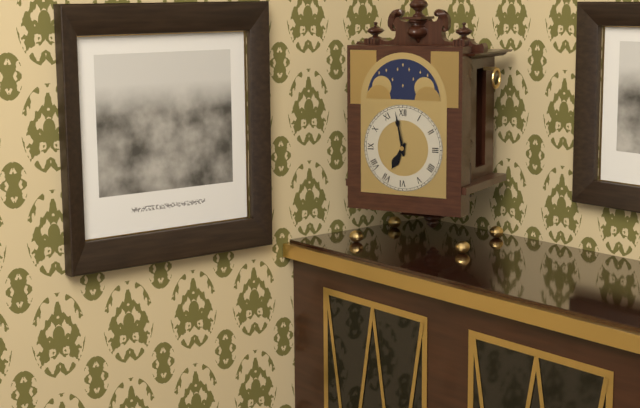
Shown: h=6 m=58
